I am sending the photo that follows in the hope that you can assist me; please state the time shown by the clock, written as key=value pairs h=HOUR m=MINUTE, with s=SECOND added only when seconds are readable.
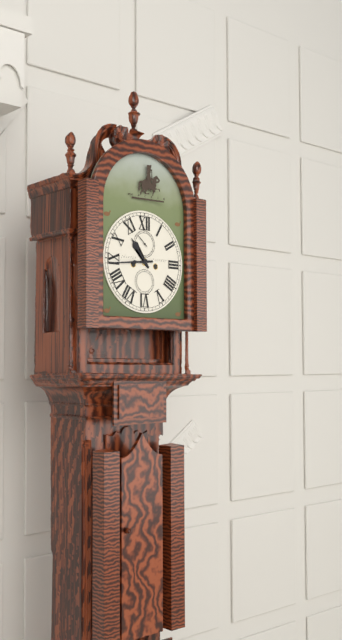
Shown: h=10 m=44
